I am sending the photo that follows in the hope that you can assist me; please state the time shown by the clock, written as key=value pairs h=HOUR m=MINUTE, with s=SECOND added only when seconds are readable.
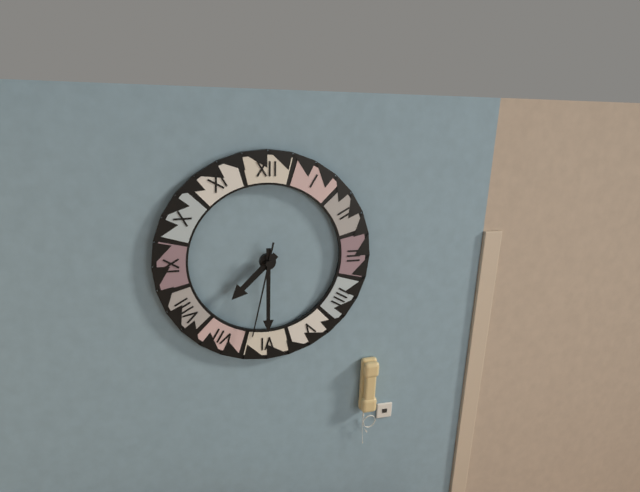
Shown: h=7 m=30 s=32
